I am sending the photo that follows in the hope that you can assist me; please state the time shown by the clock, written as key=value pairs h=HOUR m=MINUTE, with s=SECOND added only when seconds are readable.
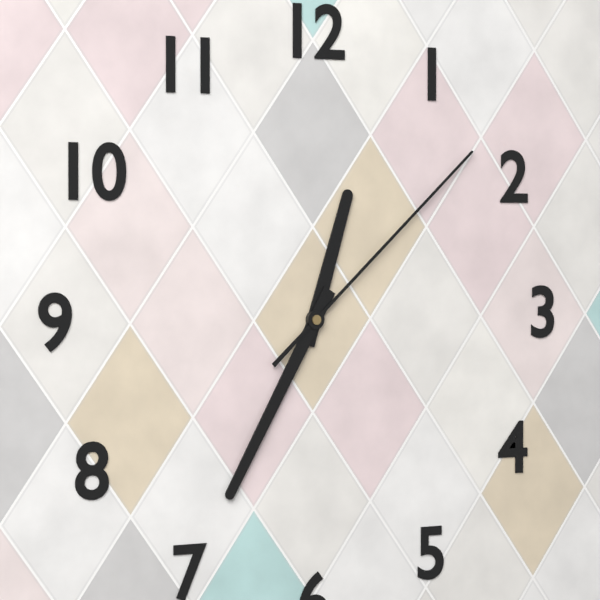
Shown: h=12 m=35 s=8
